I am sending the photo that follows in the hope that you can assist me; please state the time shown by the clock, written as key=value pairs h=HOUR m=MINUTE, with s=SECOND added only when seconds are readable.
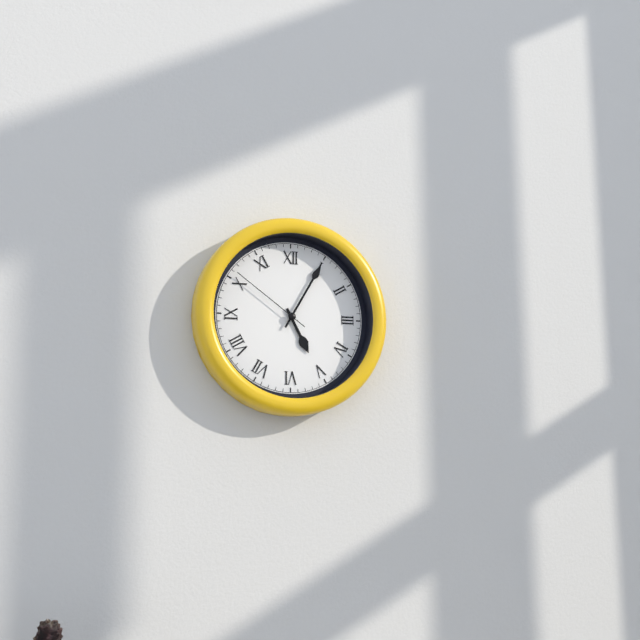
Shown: h=5 m=5 s=51
